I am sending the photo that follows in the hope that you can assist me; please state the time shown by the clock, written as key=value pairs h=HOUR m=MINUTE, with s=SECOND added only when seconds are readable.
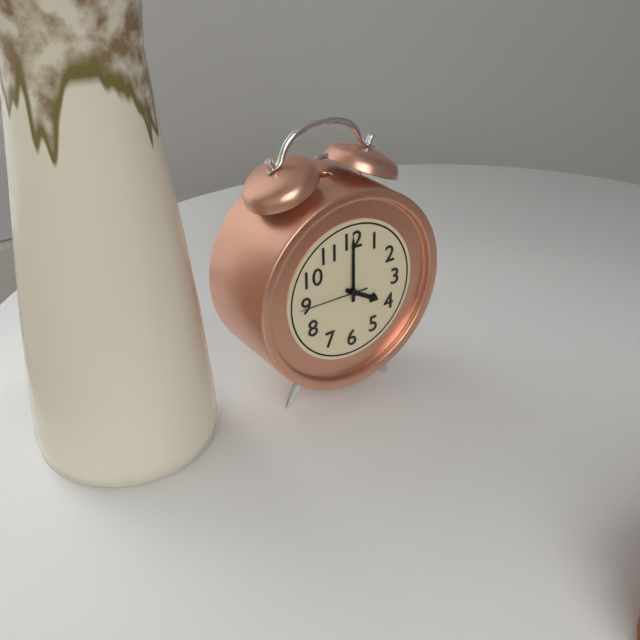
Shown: h=4 m=0 s=45
